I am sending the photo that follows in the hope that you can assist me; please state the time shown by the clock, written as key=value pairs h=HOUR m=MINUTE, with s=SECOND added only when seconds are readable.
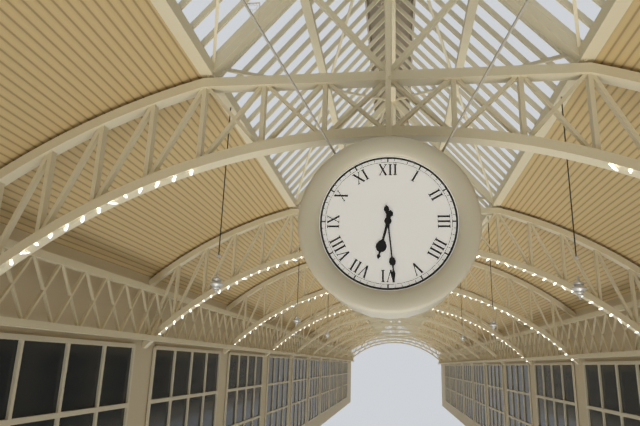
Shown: h=6 m=29
